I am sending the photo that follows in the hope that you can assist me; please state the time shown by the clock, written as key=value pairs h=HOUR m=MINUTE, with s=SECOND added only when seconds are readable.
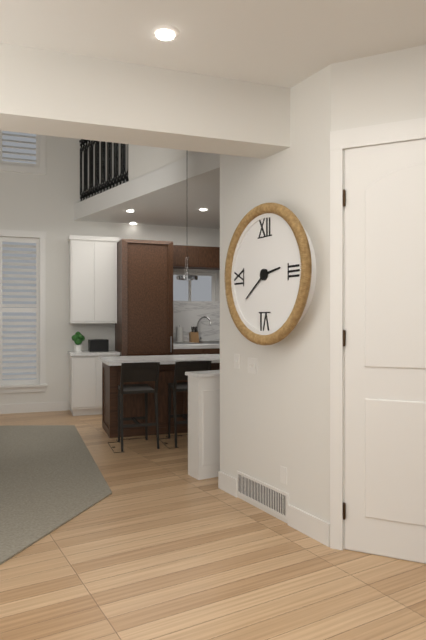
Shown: h=2 m=39
